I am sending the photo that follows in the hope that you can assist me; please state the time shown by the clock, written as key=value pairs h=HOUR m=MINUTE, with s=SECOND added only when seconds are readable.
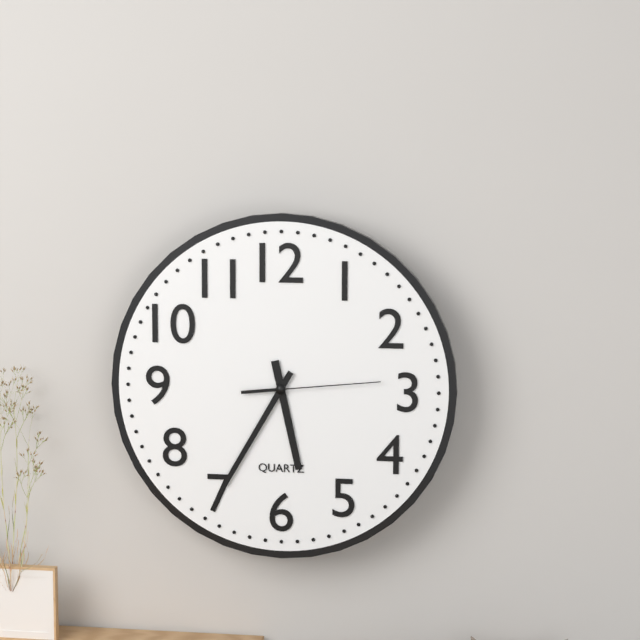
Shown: h=5 m=35 s=14
